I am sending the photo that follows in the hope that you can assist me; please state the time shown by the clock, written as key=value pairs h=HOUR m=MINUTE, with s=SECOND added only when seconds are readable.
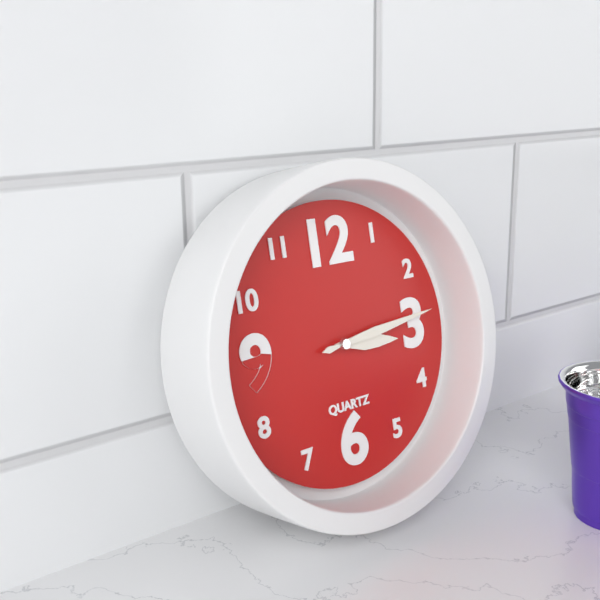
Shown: h=3 m=14
